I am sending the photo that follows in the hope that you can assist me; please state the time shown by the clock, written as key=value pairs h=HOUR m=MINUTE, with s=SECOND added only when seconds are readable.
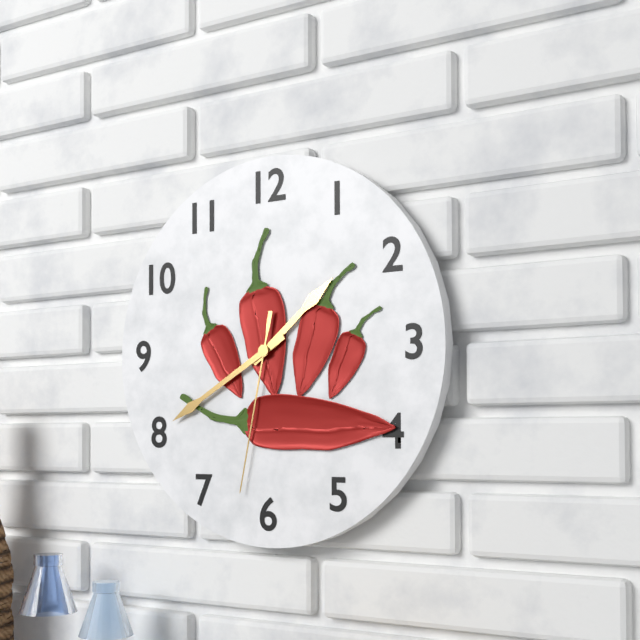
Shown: h=1 m=40 s=32
